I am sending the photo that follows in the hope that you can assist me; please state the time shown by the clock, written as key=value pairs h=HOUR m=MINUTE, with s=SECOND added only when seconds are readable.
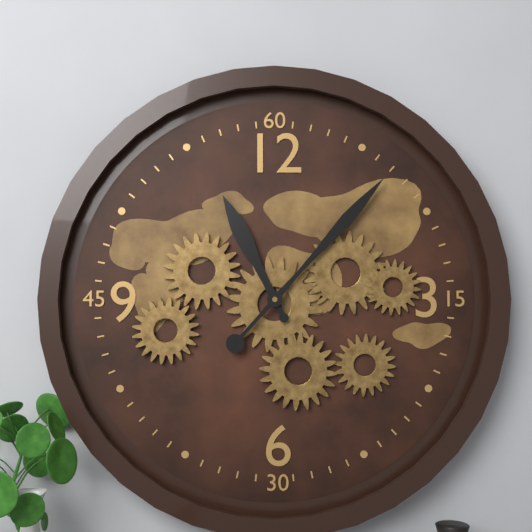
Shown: h=11 m=7
